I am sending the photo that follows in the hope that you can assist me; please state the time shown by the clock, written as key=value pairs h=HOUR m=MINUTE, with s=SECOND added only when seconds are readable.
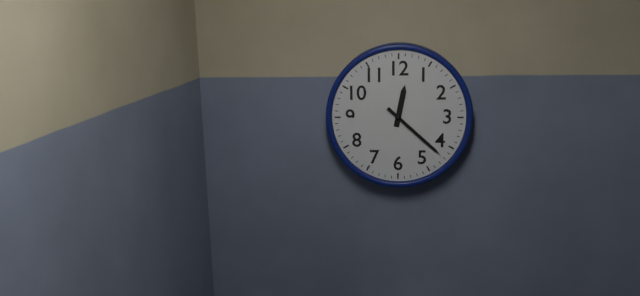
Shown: h=12 m=22
